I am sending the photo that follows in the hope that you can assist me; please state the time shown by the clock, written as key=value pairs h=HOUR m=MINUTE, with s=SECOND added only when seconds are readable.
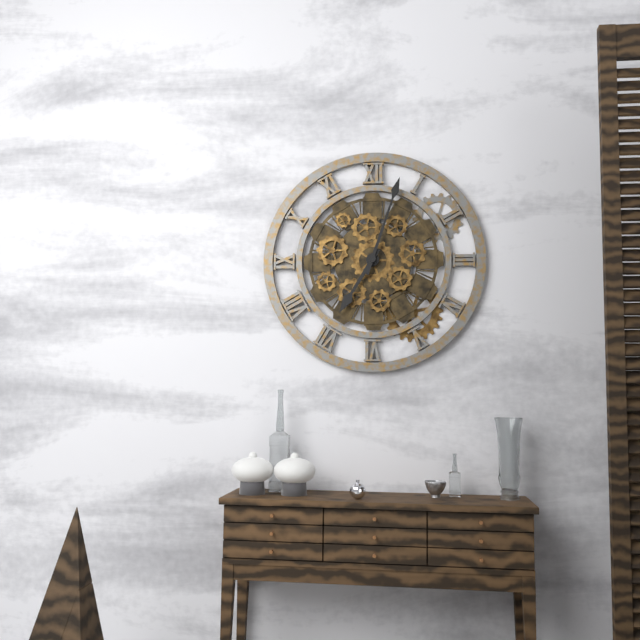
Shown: h=7 m=3
